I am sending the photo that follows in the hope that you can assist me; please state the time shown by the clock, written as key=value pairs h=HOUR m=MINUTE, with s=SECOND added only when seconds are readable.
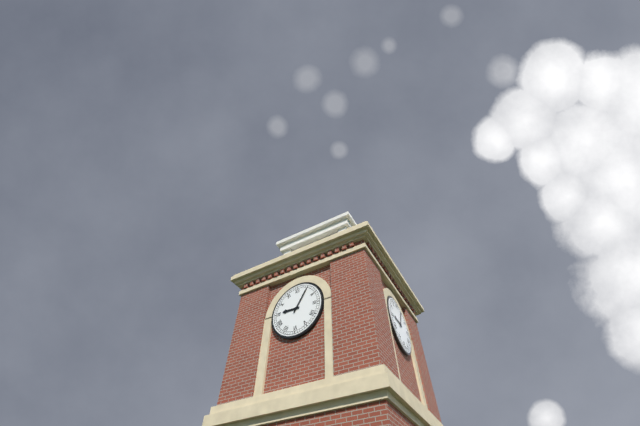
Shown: h=9 m=5
